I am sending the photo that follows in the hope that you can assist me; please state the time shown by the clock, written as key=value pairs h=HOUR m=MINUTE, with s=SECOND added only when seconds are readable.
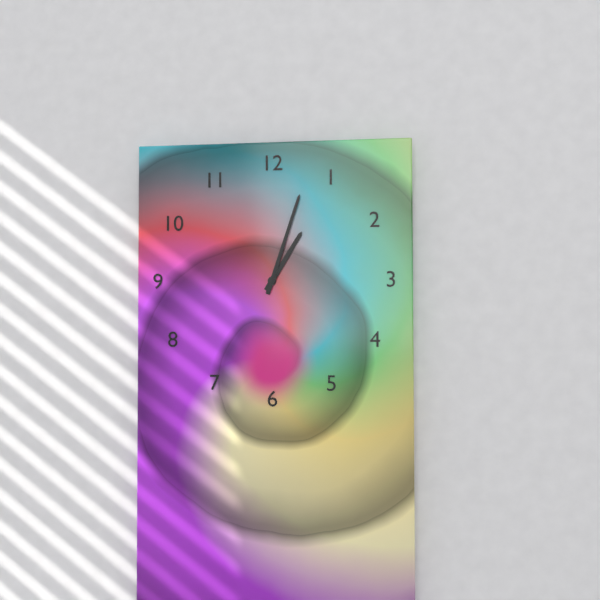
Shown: h=1 m=3
